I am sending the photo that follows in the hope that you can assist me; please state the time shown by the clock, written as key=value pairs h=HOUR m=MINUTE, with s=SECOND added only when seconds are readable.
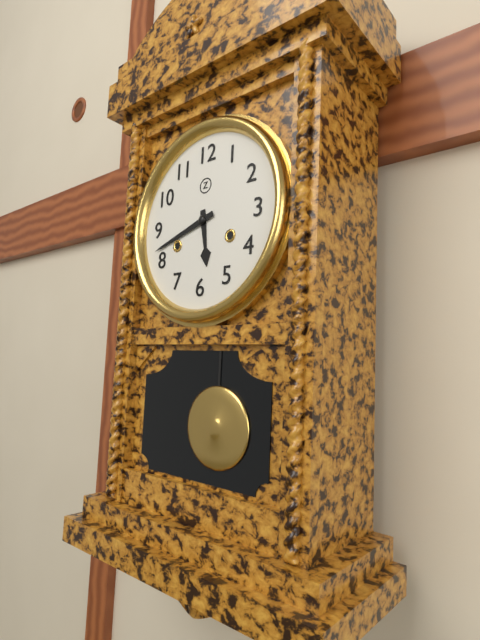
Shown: h=5 m=42
